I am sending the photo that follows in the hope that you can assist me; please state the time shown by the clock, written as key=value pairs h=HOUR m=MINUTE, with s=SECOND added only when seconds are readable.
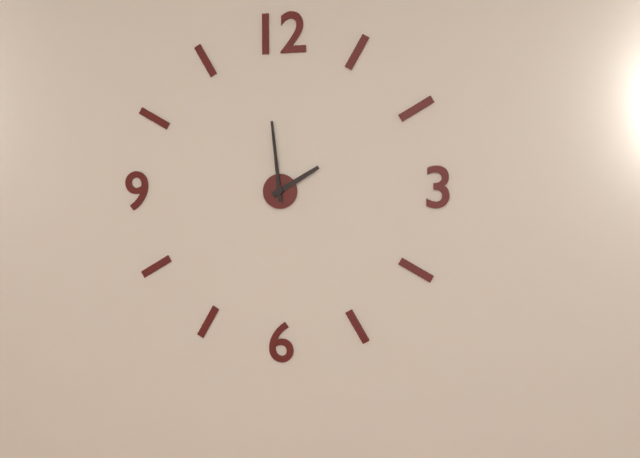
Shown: h=1 m=59
